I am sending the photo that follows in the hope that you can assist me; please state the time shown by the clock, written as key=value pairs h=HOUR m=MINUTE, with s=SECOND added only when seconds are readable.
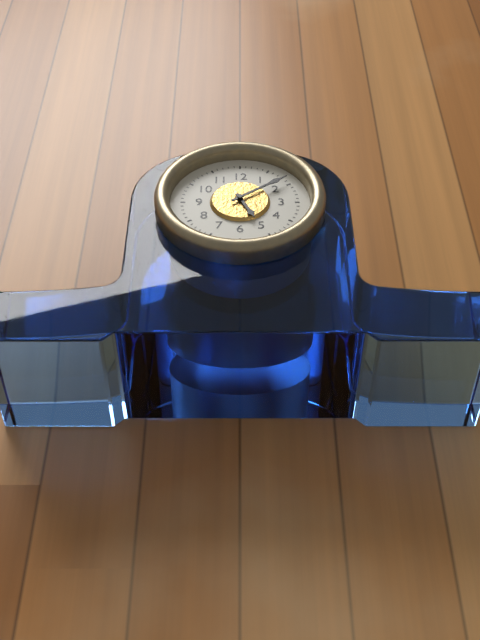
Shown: h=5 m=9
